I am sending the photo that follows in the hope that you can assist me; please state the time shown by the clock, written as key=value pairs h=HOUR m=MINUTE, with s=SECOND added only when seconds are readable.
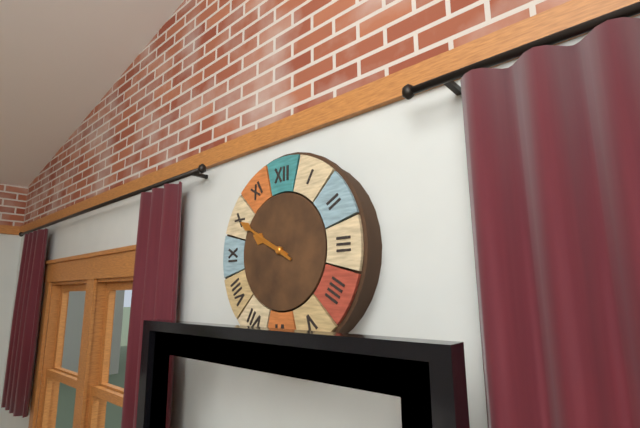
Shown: h=9 m=50
